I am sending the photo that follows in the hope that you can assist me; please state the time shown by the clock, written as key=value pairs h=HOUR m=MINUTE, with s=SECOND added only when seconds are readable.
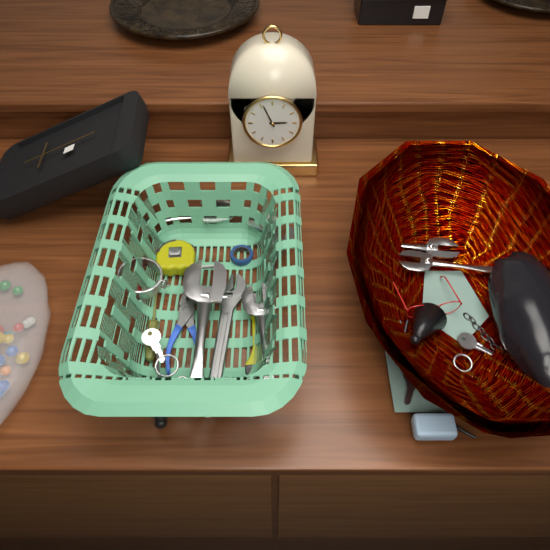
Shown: h=2 m=56
